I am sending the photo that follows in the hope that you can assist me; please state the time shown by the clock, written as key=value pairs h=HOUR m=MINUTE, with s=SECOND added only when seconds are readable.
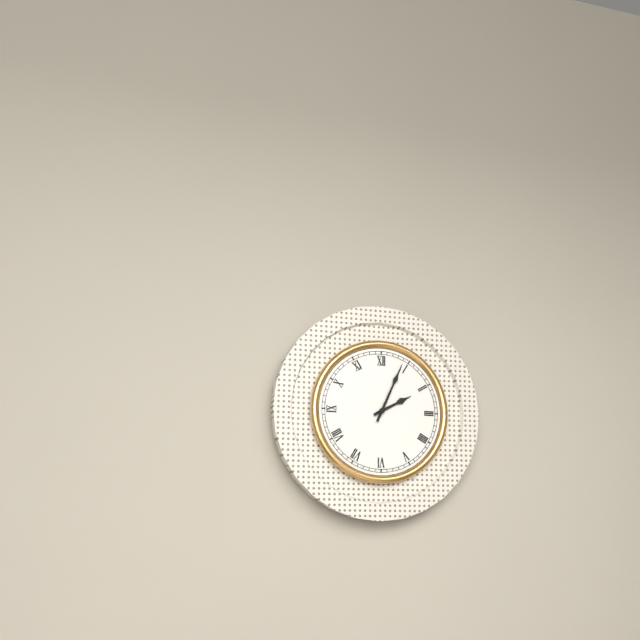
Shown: h=2 m=4
